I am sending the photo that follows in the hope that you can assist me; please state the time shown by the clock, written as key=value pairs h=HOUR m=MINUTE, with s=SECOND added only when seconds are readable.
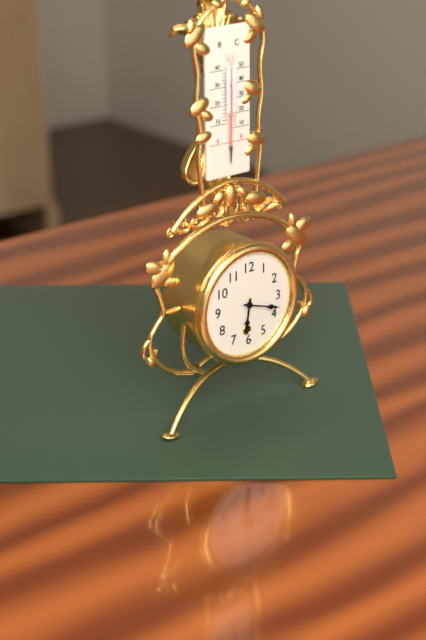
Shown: h=6 m=18
